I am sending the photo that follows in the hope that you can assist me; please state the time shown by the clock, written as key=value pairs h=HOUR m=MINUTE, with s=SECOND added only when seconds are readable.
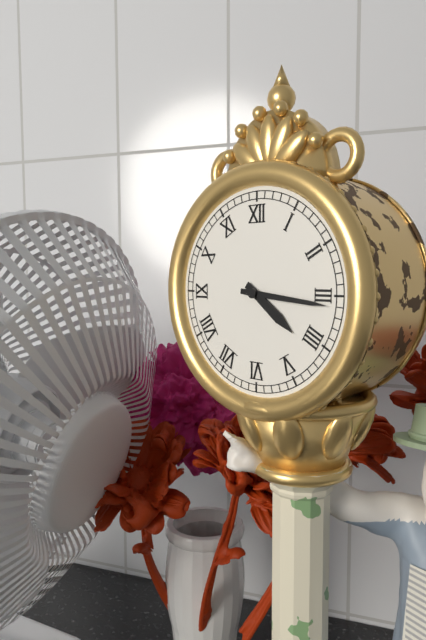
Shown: h=4 m=16
